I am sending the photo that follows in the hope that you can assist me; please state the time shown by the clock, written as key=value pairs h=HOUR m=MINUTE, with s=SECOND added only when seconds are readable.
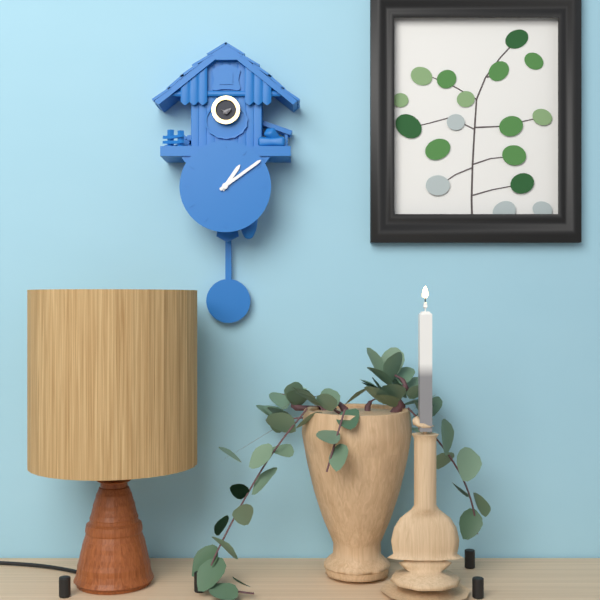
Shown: h=1 m=9
